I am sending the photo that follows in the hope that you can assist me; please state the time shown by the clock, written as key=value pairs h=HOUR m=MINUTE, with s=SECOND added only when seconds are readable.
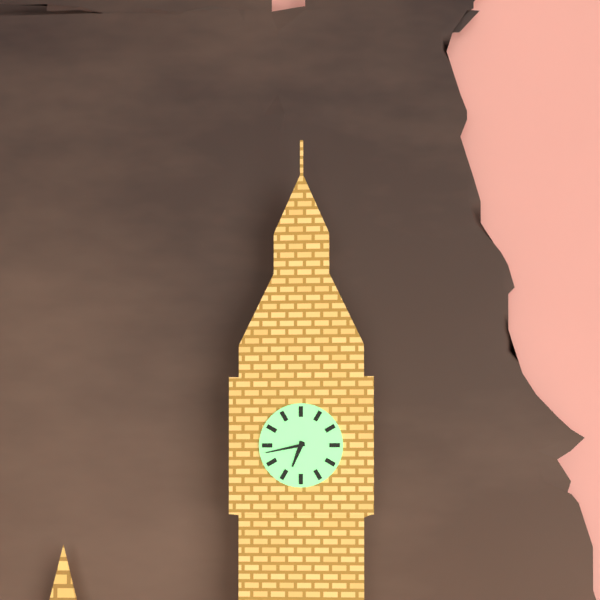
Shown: h=6 m=43
